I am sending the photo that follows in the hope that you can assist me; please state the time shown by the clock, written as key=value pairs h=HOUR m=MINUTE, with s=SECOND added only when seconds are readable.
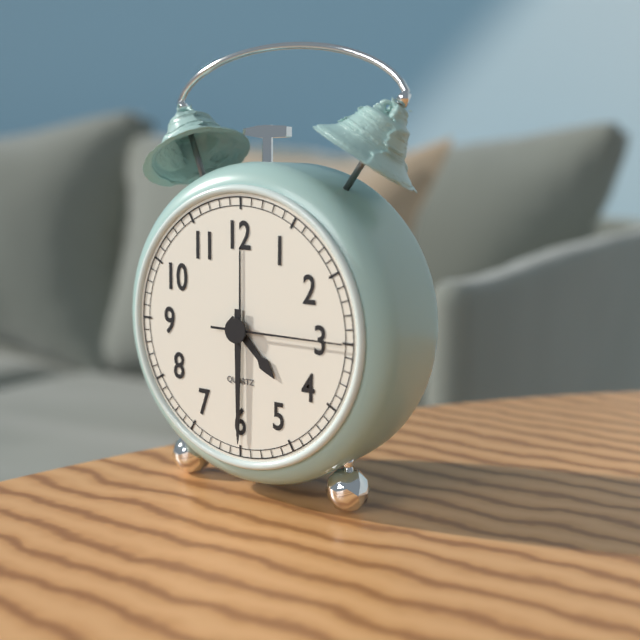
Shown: h=4 m=30 s=15
